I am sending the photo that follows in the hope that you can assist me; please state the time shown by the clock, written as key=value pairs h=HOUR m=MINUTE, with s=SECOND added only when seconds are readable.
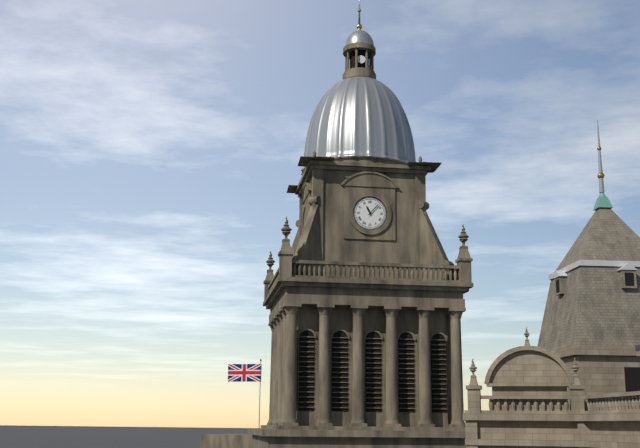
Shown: h=11 m=7
